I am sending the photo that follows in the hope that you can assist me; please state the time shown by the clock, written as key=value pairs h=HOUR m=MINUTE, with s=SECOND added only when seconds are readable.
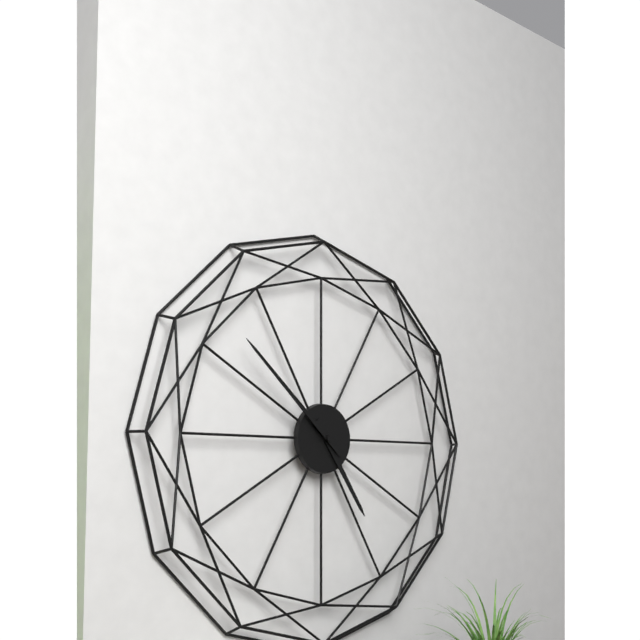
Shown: h=4 m=52
